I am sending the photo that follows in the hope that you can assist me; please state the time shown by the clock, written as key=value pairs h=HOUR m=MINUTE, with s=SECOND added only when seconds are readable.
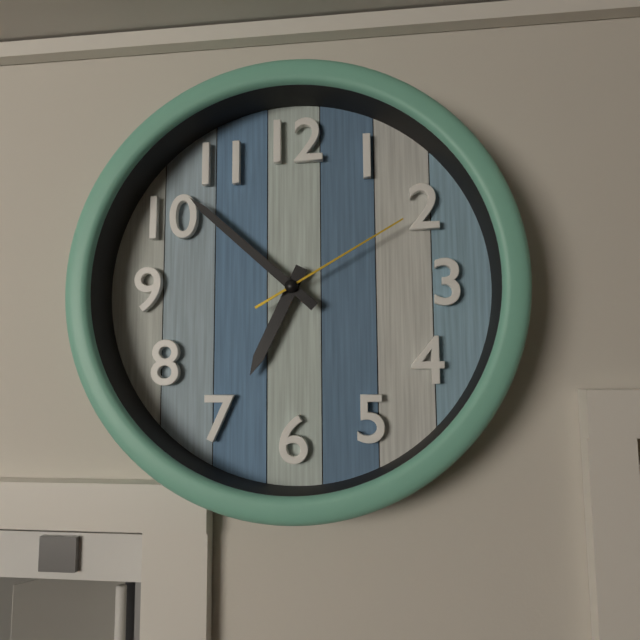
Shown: h=6 m=52 s=10
